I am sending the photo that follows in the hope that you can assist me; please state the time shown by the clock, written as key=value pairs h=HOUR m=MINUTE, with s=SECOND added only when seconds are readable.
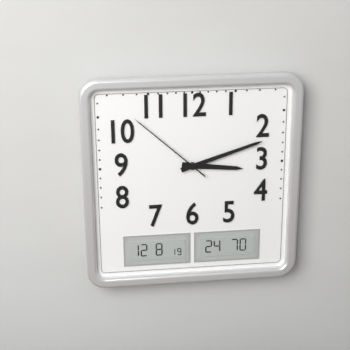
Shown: h=3 m=12 s=52
